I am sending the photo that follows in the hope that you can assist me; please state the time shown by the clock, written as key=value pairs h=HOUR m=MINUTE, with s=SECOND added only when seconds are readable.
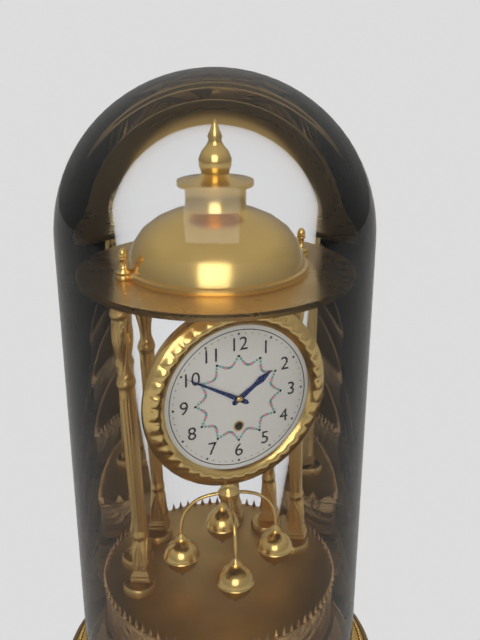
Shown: h=1 m=50
